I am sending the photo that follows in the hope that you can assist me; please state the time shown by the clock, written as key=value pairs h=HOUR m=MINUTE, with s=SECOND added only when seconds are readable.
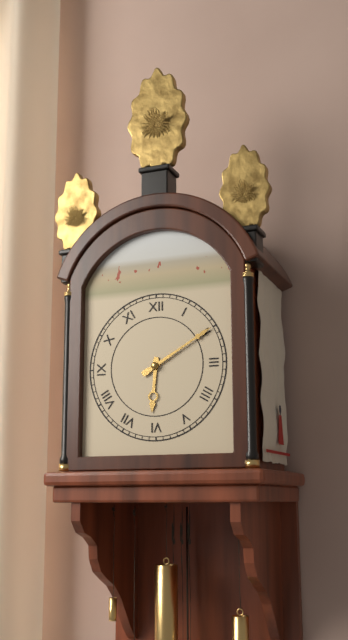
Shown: h=6 m=10
